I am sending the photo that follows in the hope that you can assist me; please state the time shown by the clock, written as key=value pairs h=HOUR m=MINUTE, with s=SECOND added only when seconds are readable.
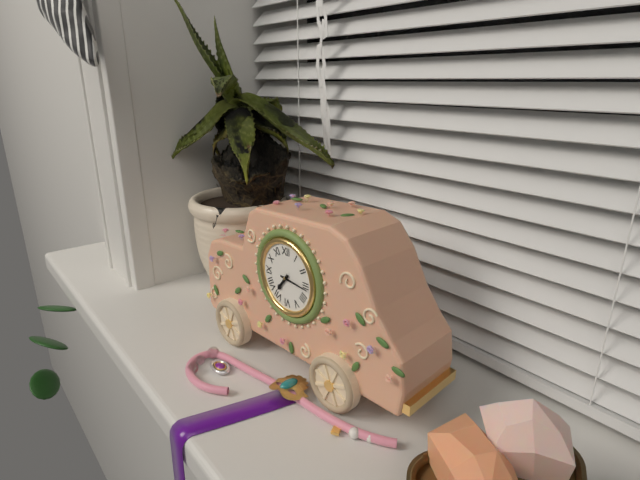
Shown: h=7 m=16
